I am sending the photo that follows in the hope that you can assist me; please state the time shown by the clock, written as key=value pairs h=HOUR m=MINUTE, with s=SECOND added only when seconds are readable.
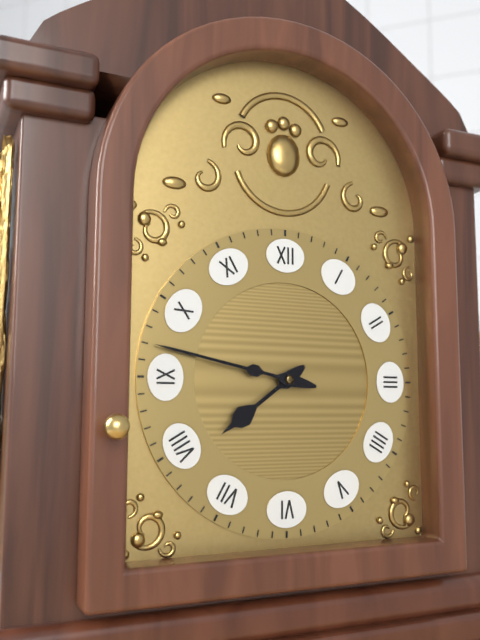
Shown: h=7 m=47
